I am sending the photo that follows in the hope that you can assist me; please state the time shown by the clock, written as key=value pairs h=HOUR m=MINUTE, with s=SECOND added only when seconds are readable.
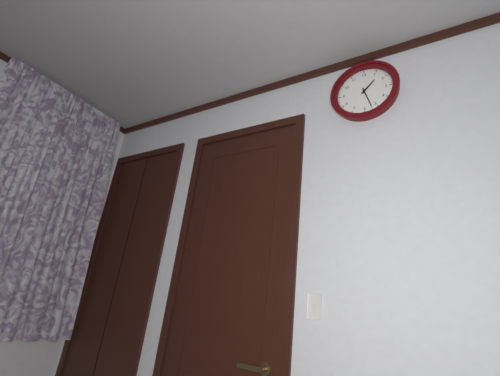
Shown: h=1 m=27
